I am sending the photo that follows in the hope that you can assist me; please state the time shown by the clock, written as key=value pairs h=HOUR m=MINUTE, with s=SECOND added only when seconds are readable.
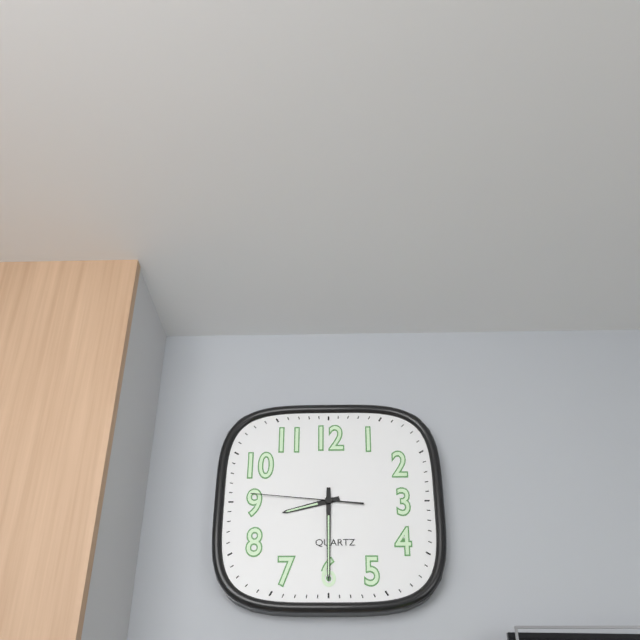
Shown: h=8 m=30 s=46
